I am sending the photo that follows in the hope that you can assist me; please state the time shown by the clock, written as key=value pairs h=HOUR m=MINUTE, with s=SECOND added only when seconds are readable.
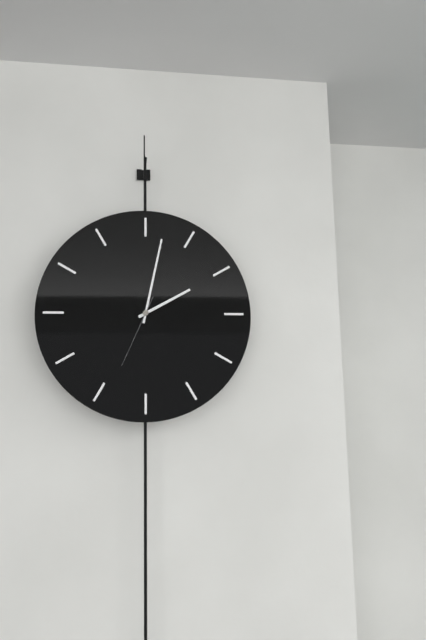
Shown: h=2 m=2 s=34
